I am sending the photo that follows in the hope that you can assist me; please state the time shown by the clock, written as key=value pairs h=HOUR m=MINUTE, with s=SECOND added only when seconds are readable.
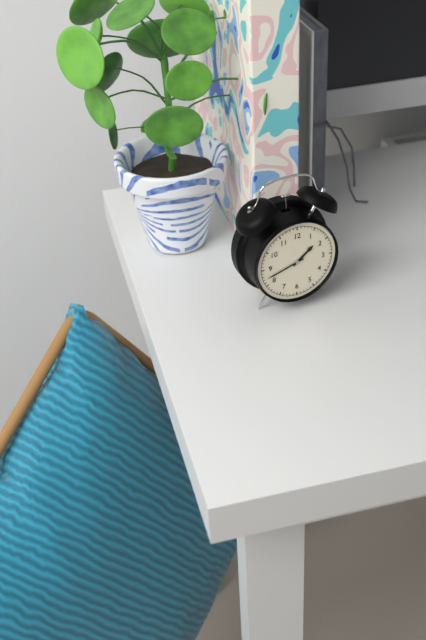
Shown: h=1 m=42
